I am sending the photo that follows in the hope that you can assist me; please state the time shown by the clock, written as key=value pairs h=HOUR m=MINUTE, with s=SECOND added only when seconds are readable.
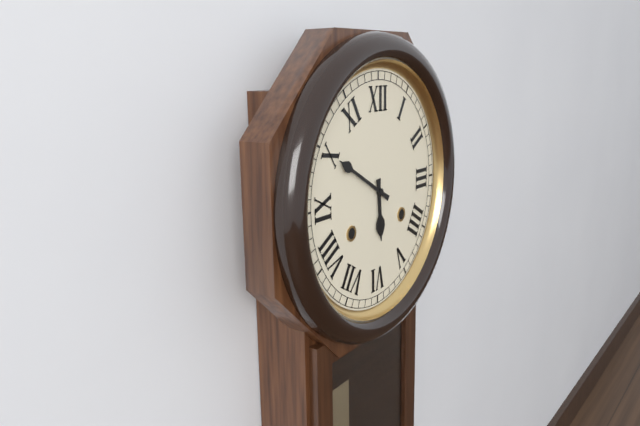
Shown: h=5 m=50
